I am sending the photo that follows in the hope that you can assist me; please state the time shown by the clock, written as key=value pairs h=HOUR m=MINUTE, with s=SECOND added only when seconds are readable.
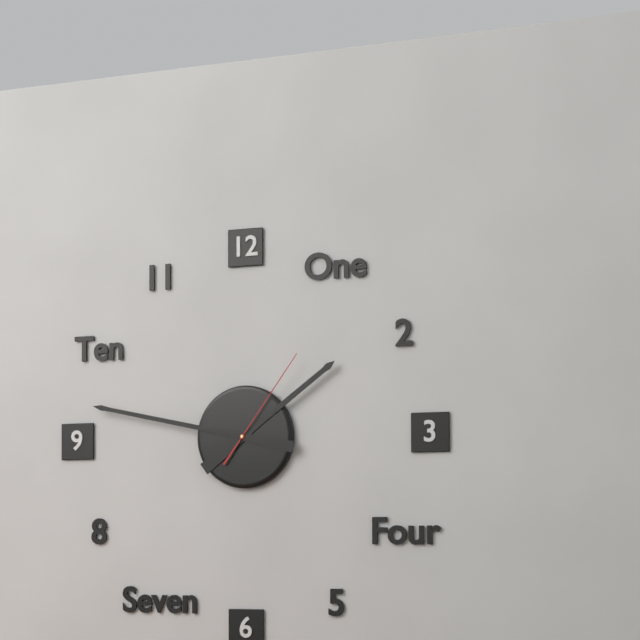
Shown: h=1 m=47 s=6
